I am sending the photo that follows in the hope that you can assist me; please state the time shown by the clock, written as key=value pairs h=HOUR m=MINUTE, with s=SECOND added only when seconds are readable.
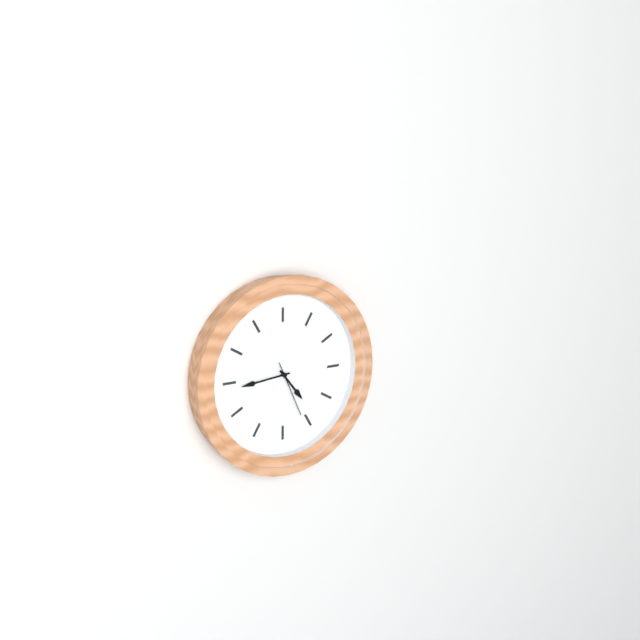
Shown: h=4 m=44 s=26
